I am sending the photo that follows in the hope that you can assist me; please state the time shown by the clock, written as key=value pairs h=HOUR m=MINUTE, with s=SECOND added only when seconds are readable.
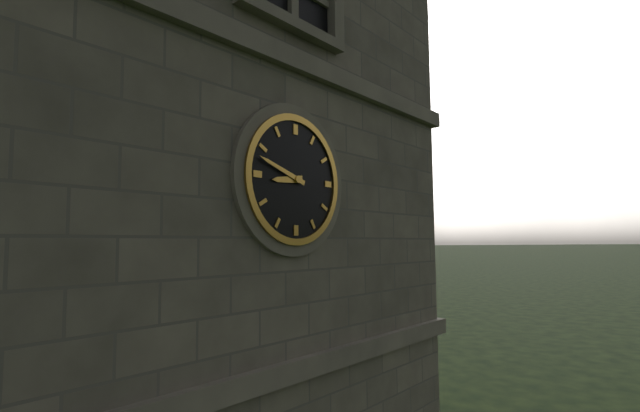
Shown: h=8 m=48
